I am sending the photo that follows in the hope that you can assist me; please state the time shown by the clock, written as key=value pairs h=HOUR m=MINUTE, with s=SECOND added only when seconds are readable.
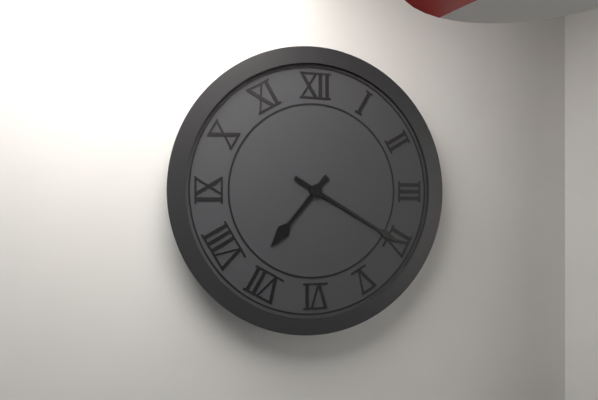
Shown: h=7 m=20
